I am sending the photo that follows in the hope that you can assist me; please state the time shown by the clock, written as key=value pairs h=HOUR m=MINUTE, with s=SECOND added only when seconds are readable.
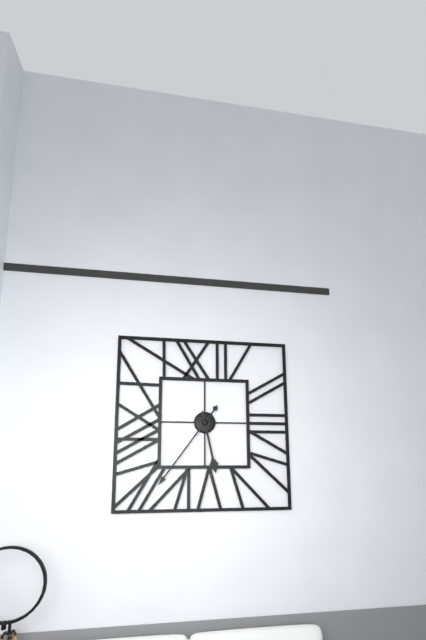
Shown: h=5 m=36
